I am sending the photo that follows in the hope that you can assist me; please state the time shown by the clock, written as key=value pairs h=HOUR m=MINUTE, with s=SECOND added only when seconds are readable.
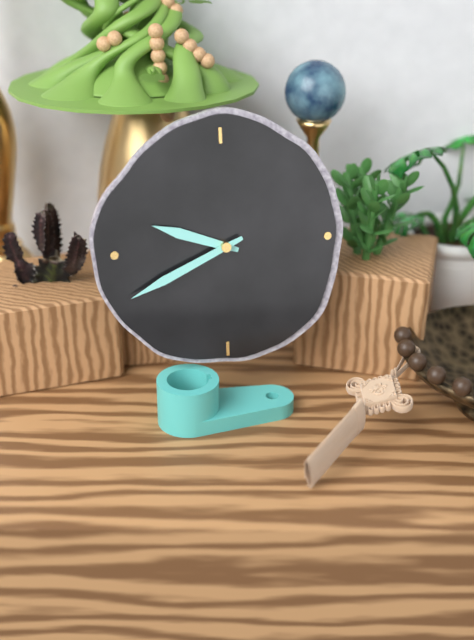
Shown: h=9 m=41
